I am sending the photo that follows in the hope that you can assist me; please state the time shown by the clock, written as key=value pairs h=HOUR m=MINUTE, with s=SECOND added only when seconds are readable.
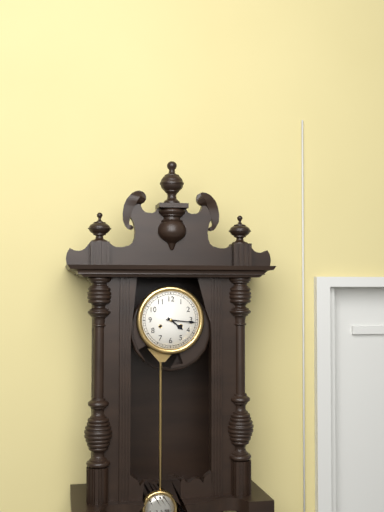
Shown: h=4 m=16
